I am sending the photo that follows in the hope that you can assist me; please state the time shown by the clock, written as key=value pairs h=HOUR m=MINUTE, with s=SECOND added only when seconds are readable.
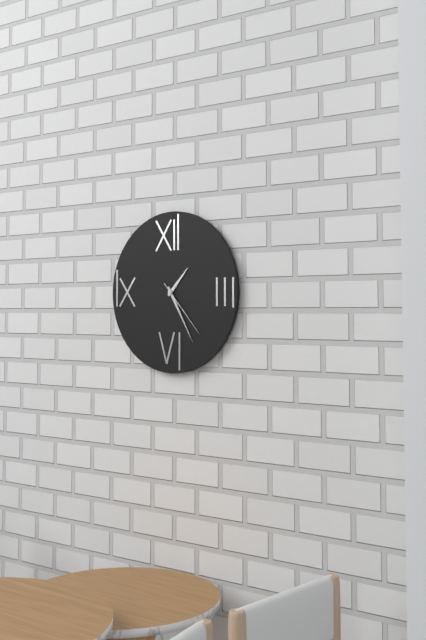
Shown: h=1 m=25 s=23
